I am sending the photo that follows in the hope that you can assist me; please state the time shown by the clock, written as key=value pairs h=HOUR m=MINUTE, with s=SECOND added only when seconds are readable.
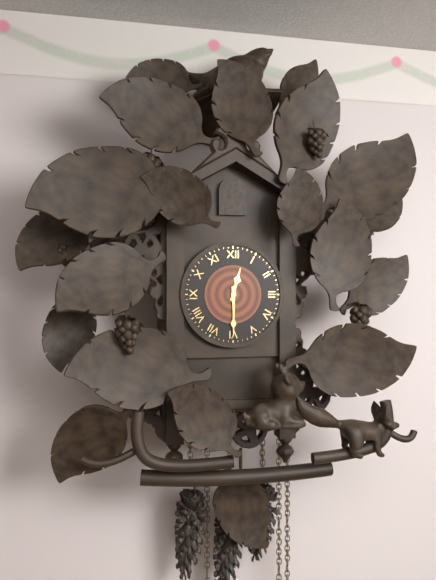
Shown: h=12 m=30
